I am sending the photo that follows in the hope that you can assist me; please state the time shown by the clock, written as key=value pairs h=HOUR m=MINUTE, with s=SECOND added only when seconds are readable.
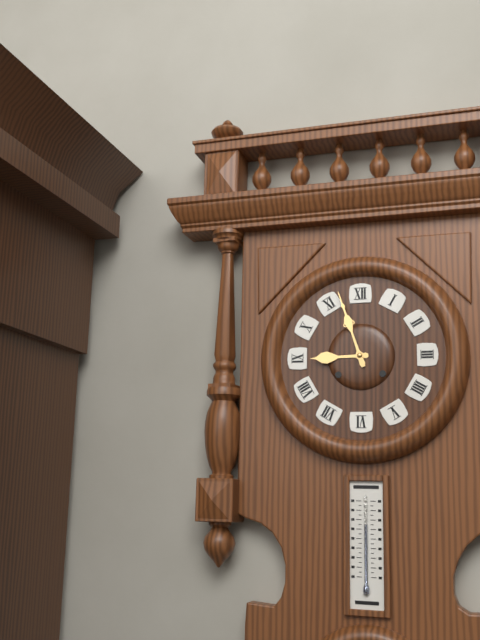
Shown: h=8 m=57
